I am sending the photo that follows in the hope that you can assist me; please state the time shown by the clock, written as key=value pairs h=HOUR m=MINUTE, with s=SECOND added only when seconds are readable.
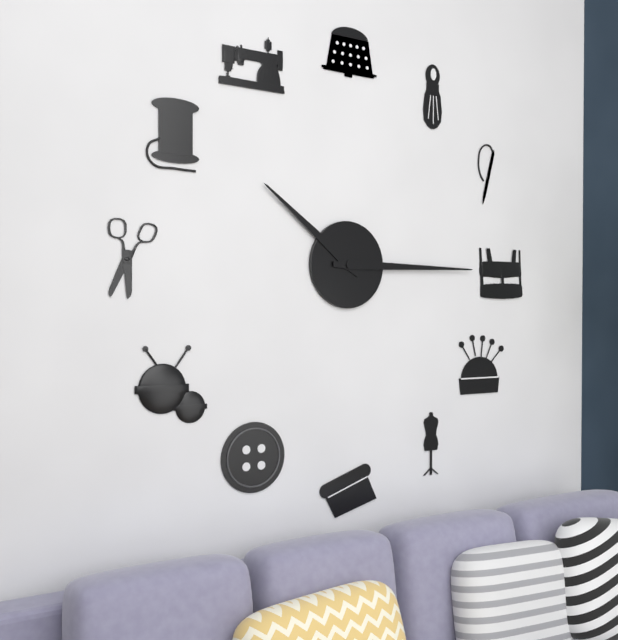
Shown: h=10 m=15
